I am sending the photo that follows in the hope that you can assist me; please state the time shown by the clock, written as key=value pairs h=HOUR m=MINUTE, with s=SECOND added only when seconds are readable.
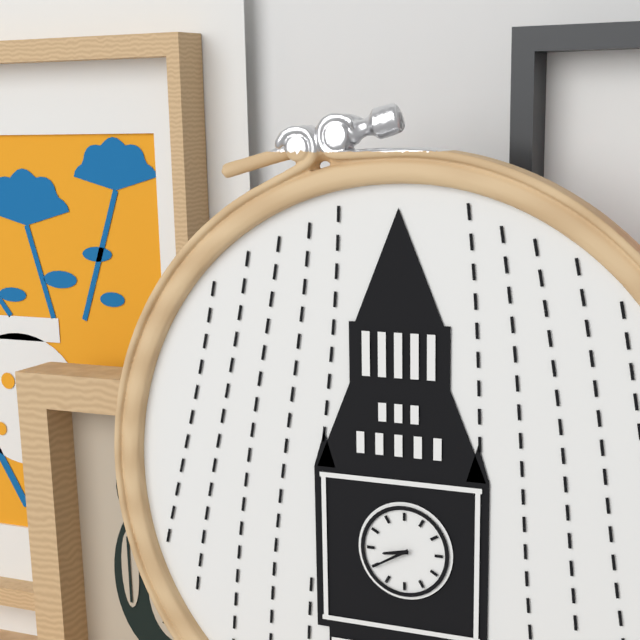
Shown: h=8 m=40
